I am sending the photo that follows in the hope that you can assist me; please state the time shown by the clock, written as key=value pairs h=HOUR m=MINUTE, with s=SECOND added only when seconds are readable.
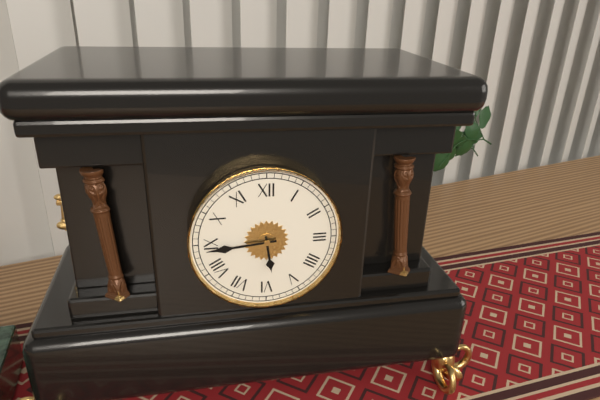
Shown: h=5 m=44
